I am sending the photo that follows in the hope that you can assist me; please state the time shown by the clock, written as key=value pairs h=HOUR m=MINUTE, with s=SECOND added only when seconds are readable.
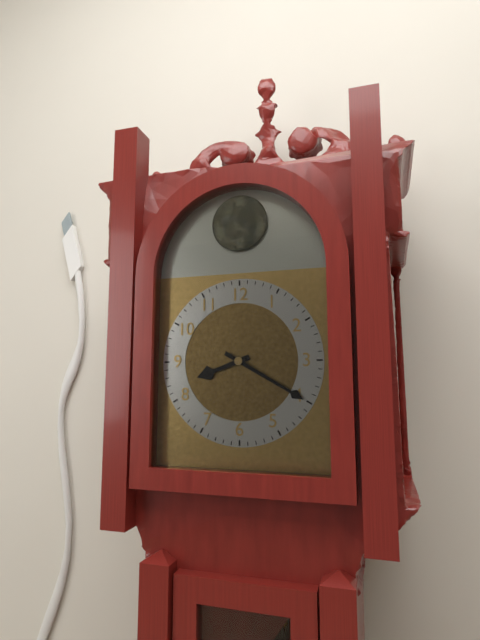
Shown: h=8 m=20
